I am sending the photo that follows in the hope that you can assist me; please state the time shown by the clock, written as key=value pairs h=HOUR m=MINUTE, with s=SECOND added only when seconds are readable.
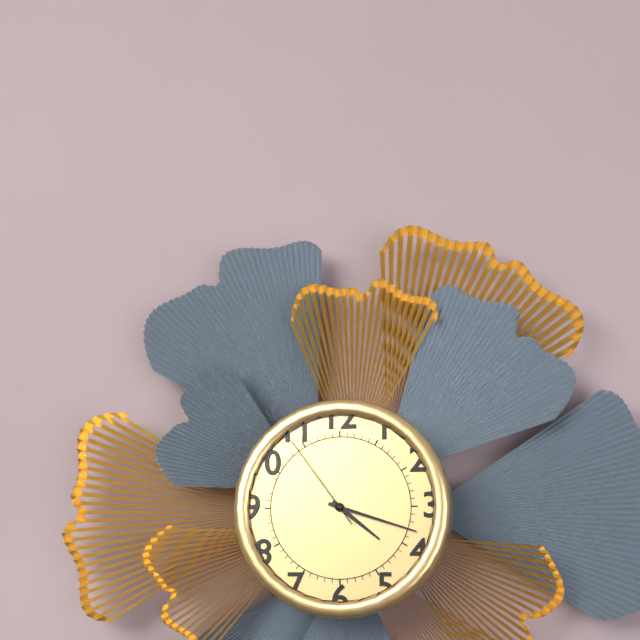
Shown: h=4 m=18 s=54
